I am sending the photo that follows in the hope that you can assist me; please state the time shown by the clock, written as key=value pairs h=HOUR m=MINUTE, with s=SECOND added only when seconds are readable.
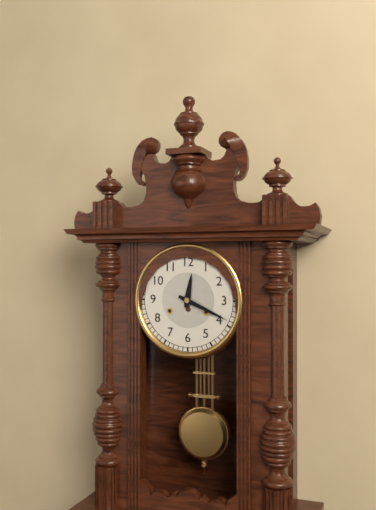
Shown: h=12 m=19
